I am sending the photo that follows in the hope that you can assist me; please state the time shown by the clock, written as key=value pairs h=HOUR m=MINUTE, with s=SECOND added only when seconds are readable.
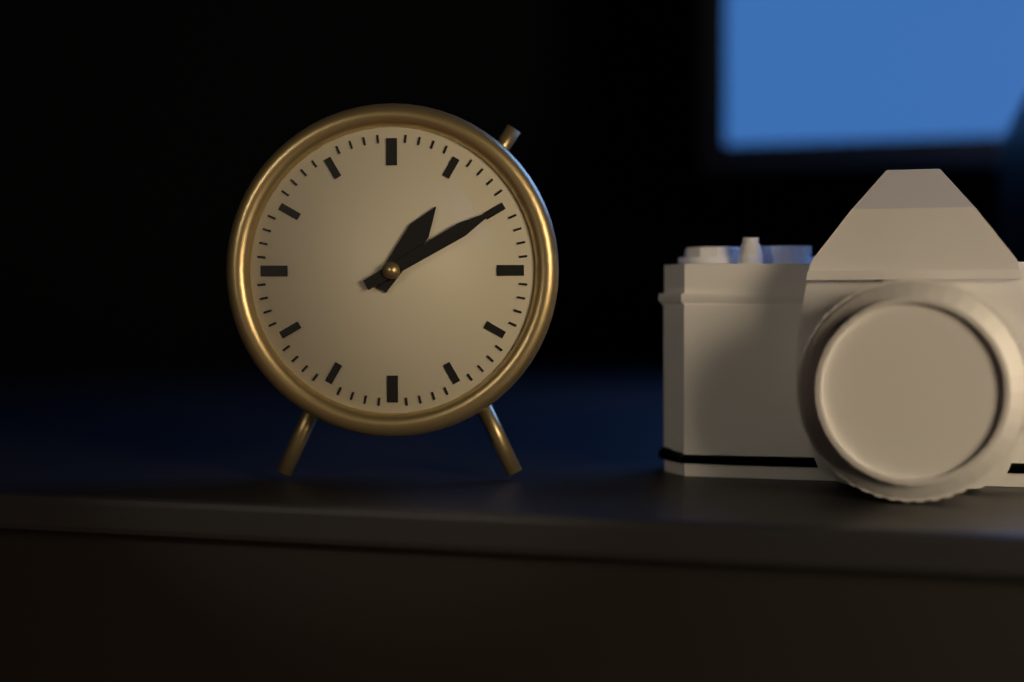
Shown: h=1 m=10
